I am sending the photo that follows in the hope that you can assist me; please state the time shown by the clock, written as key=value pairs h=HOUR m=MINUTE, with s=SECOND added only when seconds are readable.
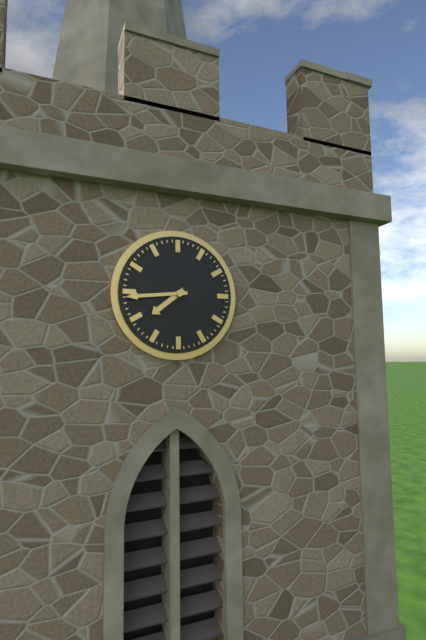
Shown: h=7 m=44
